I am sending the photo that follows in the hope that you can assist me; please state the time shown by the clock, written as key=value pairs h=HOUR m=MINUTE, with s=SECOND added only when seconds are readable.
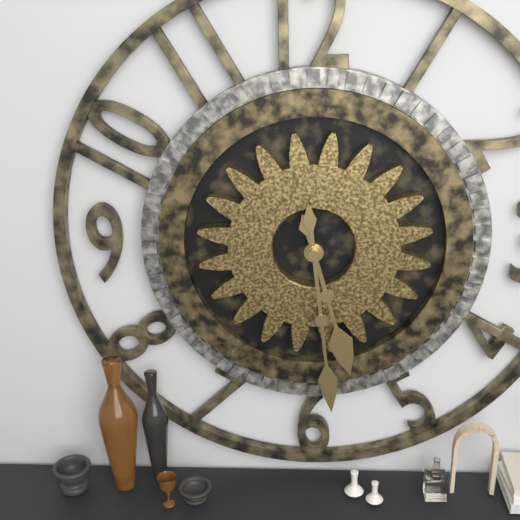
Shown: h=5 m=29
